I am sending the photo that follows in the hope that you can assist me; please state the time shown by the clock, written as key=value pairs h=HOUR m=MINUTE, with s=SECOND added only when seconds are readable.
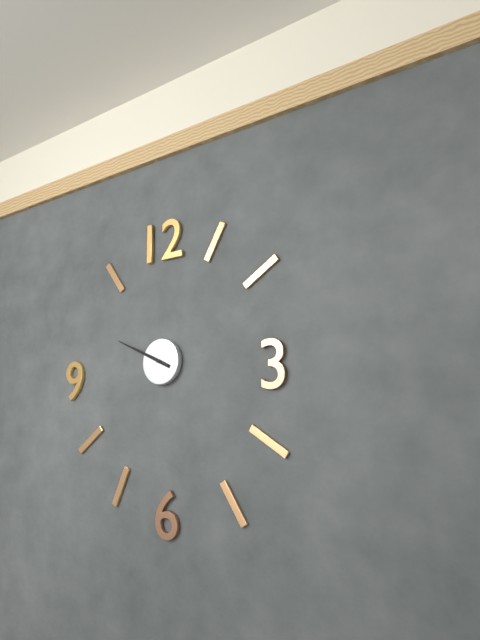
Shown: h=9 m=49
